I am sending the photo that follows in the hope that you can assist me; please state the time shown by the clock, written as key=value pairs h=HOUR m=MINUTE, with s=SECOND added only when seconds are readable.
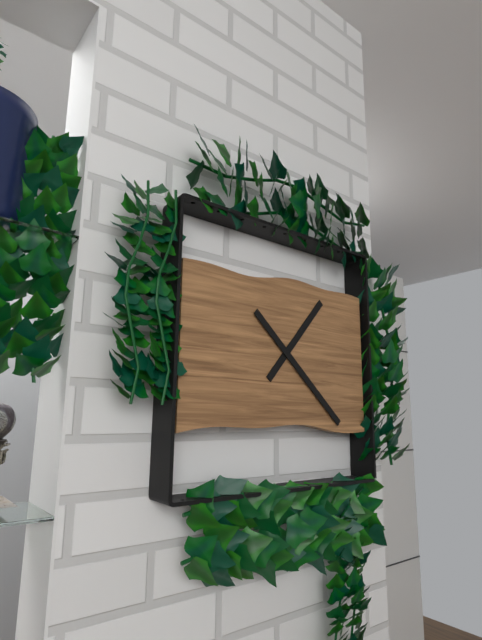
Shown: h=1 m=22
